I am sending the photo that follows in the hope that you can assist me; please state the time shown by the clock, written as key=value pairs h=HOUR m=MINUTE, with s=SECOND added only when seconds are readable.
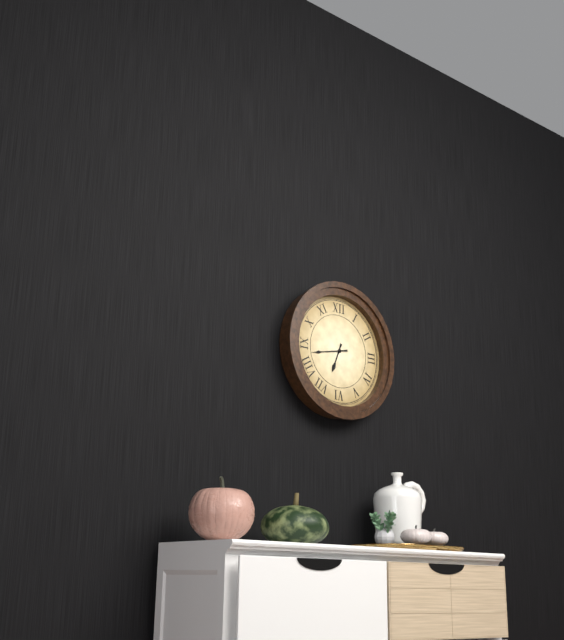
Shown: h=6 m=43
